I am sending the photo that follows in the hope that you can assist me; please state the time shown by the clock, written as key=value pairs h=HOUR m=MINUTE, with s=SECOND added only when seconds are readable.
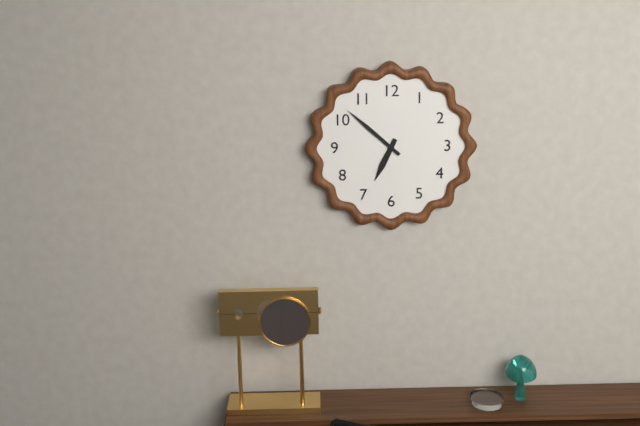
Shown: h=6 m=52
